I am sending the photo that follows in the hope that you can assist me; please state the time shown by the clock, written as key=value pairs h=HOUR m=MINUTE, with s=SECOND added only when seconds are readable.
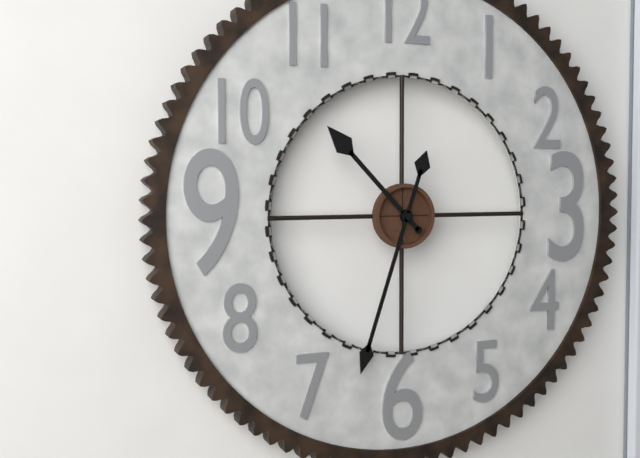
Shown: h=10 m=33
